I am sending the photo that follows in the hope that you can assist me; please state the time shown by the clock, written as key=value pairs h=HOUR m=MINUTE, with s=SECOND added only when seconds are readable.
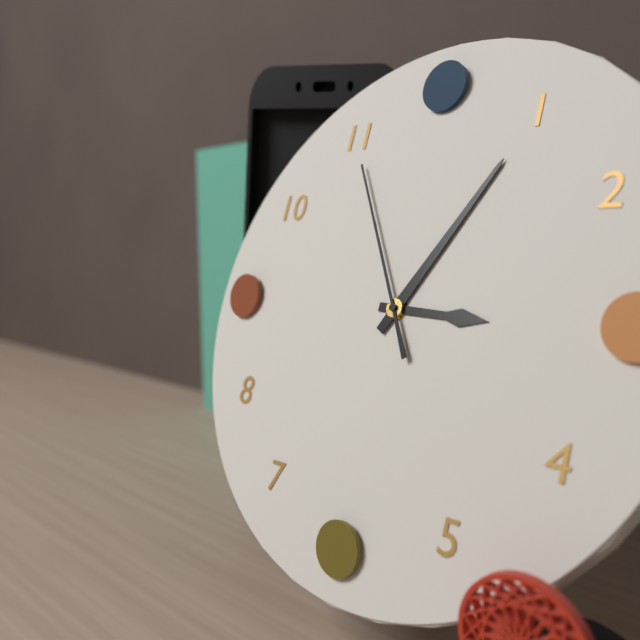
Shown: h=3 m=5 s=55
